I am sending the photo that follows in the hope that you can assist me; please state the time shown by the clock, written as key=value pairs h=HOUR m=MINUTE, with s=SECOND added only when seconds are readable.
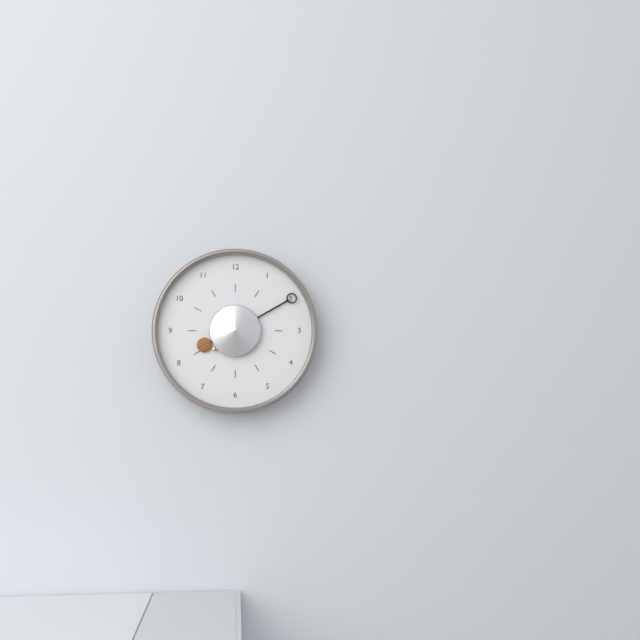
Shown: h=8 m=10
